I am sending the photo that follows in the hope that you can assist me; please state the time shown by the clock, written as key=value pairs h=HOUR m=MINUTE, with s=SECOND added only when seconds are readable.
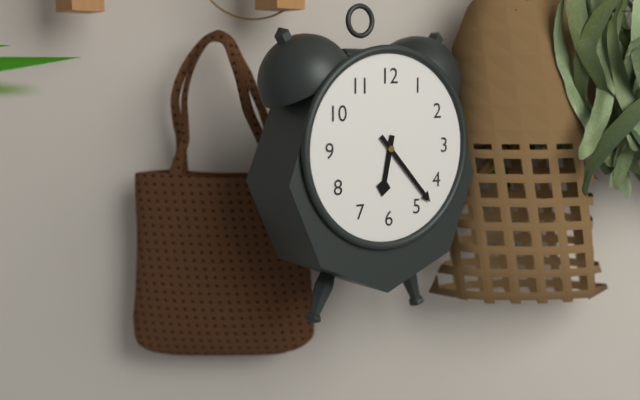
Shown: h=6 m=23
